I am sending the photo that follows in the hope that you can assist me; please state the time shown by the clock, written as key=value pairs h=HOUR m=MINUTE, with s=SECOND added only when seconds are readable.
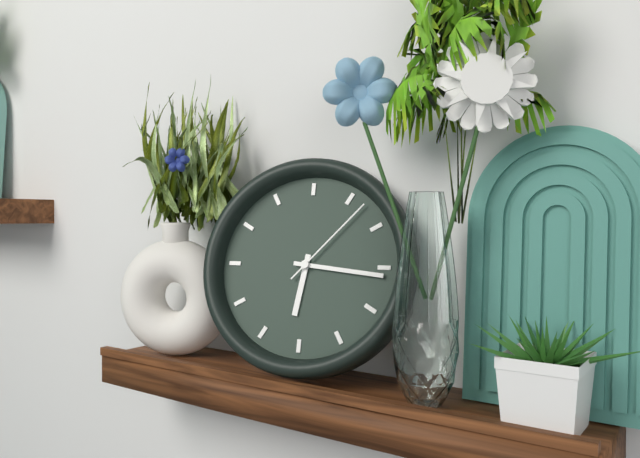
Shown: h=6 m=16 s=7
